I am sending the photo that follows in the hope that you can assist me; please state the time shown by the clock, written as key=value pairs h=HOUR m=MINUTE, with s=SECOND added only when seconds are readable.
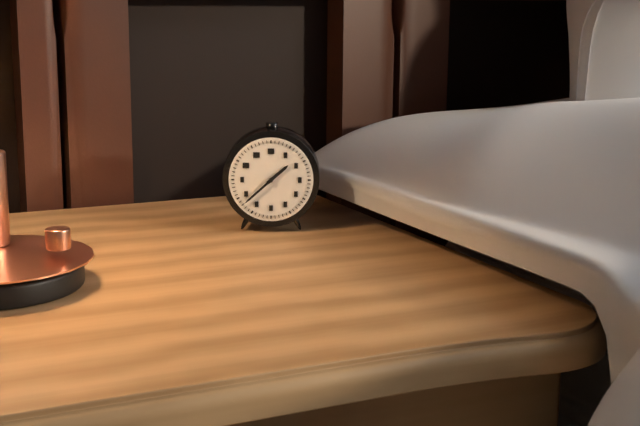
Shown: h=1 m=38
